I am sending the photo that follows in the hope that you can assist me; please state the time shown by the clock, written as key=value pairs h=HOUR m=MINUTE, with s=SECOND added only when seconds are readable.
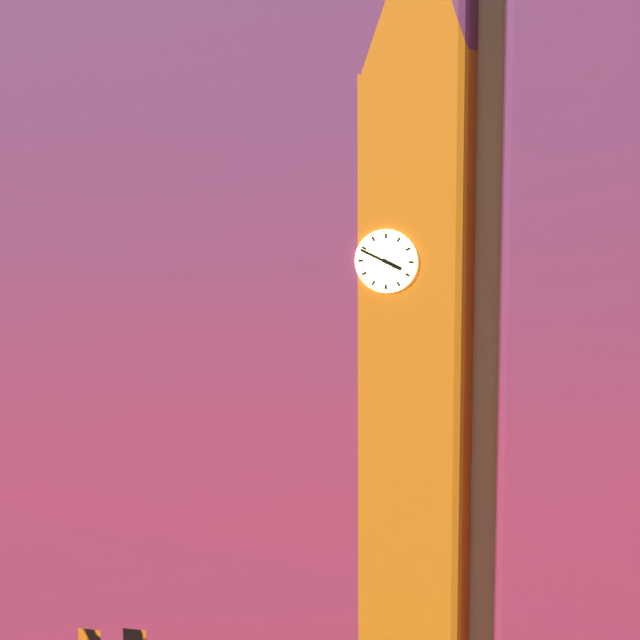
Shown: h=3 m=49
